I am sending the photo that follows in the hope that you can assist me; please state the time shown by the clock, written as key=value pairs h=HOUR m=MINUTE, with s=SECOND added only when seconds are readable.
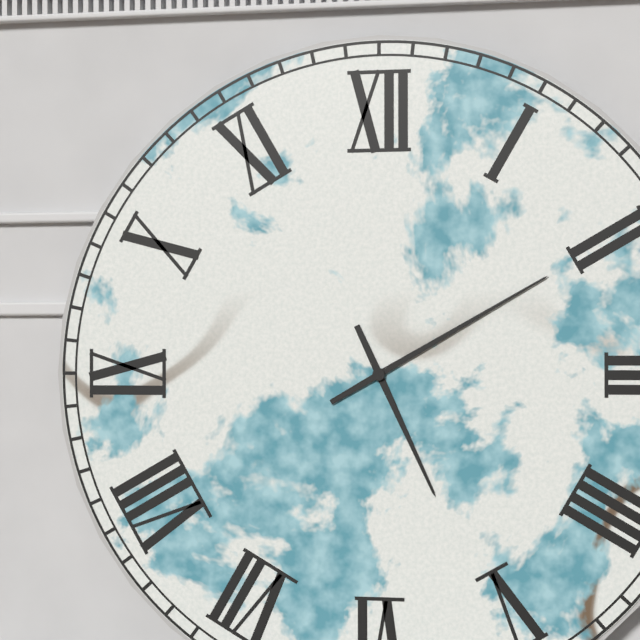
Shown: h=5 m=10
